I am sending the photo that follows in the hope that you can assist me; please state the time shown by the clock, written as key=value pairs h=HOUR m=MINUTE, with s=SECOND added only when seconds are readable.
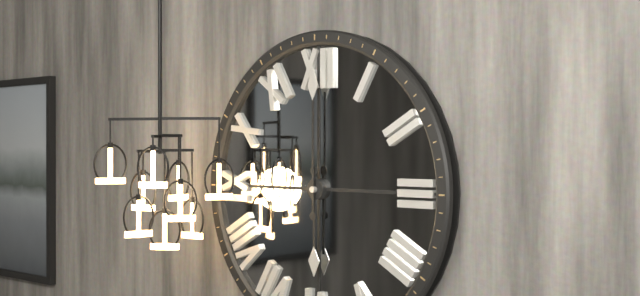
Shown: h=6 m=0
